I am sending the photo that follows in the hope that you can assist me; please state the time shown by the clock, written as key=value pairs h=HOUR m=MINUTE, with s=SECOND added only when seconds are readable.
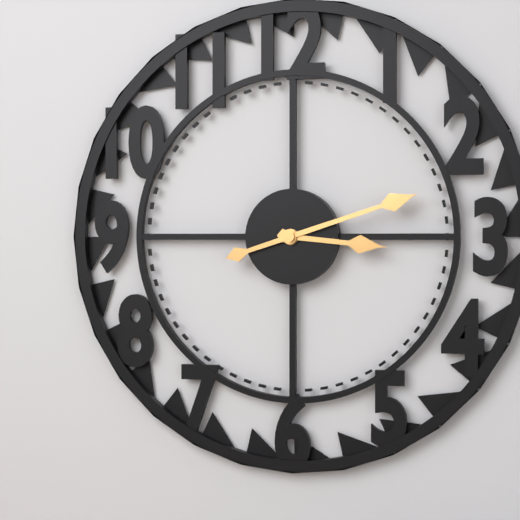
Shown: h=3 m=12
